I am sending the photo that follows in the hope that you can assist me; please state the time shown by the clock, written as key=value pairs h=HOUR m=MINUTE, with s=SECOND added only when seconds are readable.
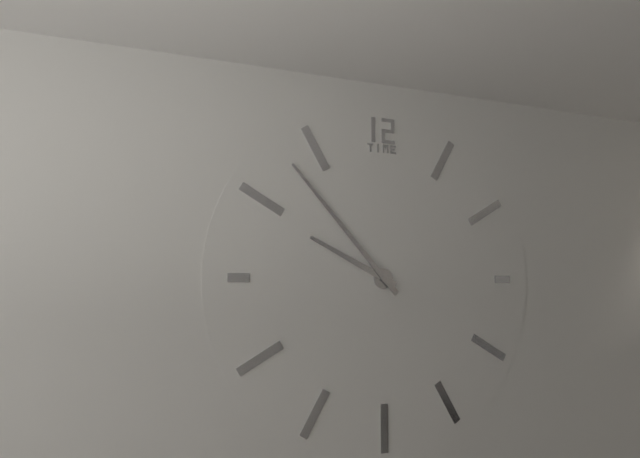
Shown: h=9 m=53
